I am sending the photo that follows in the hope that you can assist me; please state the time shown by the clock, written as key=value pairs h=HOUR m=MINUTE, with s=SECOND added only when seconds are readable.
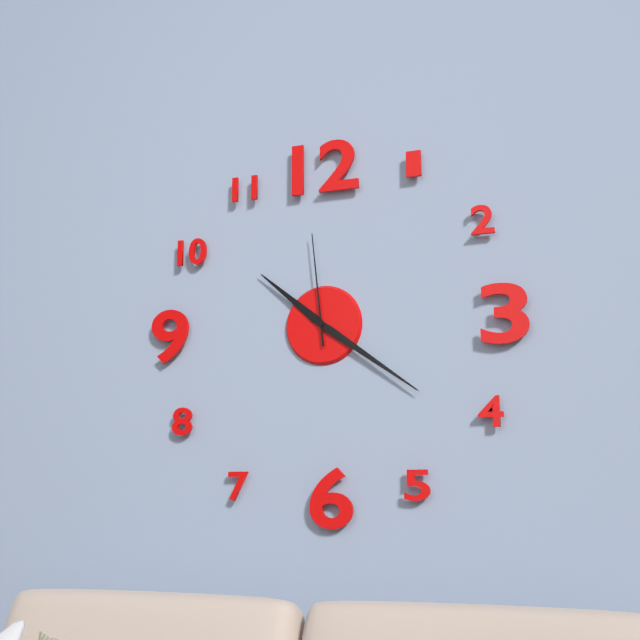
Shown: h=10 m=21 s=59
